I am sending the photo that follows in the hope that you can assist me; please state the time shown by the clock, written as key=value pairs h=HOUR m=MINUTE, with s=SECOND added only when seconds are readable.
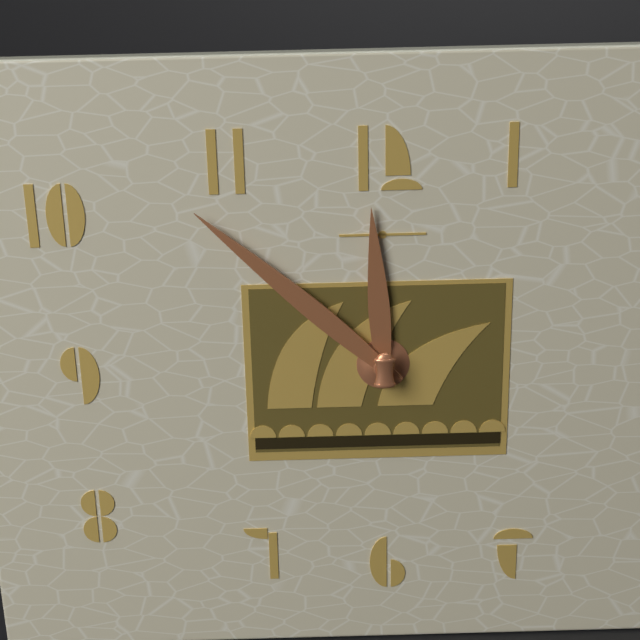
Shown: h=11 m=52
